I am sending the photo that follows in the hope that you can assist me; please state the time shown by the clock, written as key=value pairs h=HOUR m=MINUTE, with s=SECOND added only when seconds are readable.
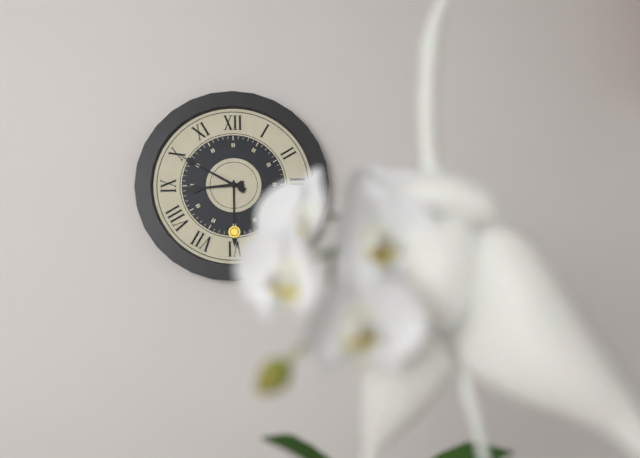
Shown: h=8 m=50
